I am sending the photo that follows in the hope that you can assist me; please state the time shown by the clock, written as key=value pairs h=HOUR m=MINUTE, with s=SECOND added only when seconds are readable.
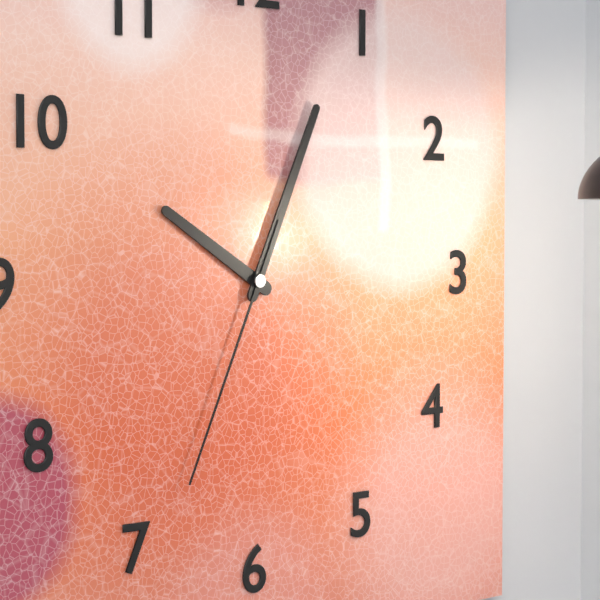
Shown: h=10 m=4 s=34
